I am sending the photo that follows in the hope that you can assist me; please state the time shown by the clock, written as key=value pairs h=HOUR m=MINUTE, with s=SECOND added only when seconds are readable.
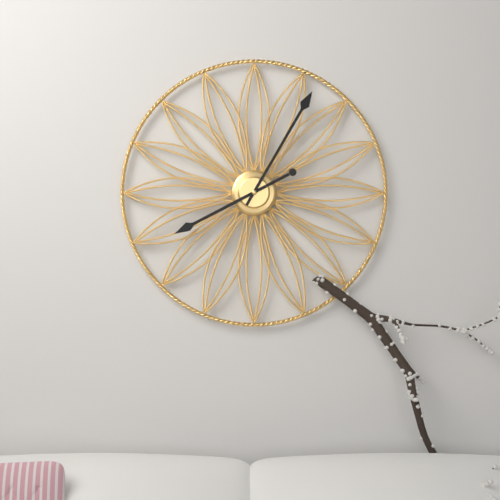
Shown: h=8 m=5
